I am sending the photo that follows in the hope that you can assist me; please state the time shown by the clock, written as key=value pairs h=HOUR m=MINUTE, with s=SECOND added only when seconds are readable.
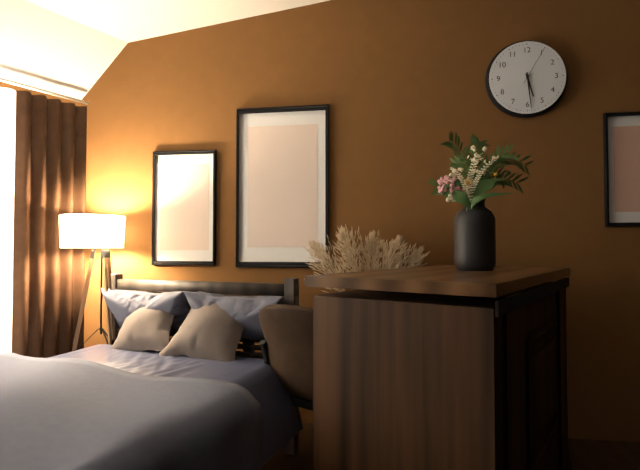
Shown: h=5 m=29
